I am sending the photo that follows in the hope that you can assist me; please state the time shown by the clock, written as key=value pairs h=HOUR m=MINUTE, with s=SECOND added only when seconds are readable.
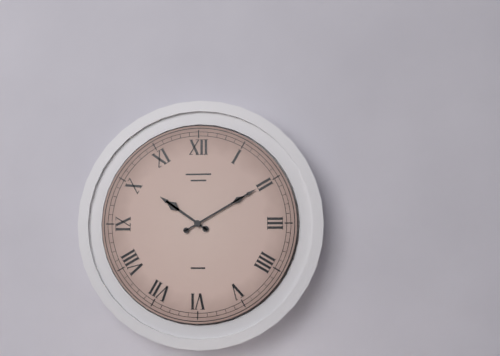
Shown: h=10 m=10
